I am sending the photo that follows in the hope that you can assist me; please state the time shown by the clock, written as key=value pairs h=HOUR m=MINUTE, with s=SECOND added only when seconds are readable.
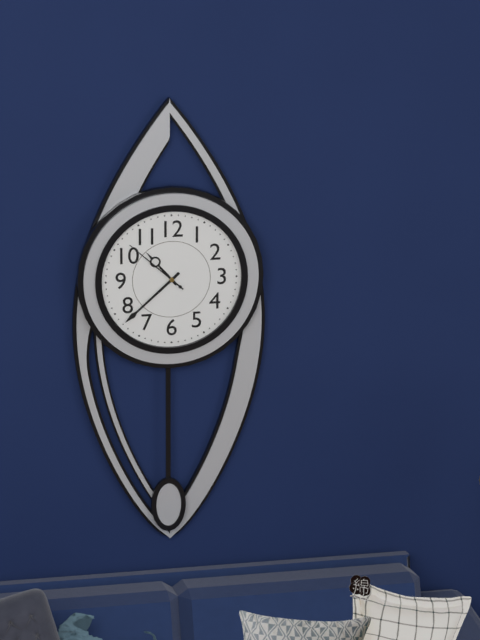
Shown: h=10 m=38 s=52
